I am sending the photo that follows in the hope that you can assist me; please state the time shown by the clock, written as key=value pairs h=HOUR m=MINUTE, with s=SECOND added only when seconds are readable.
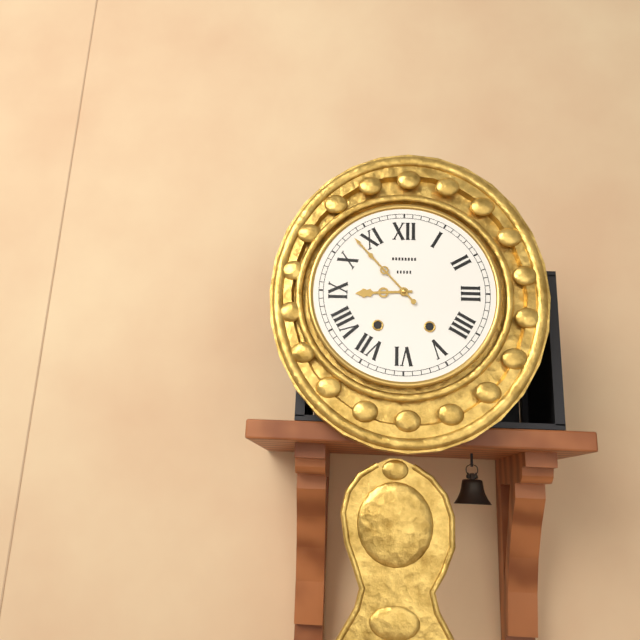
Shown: h=8 m=53
